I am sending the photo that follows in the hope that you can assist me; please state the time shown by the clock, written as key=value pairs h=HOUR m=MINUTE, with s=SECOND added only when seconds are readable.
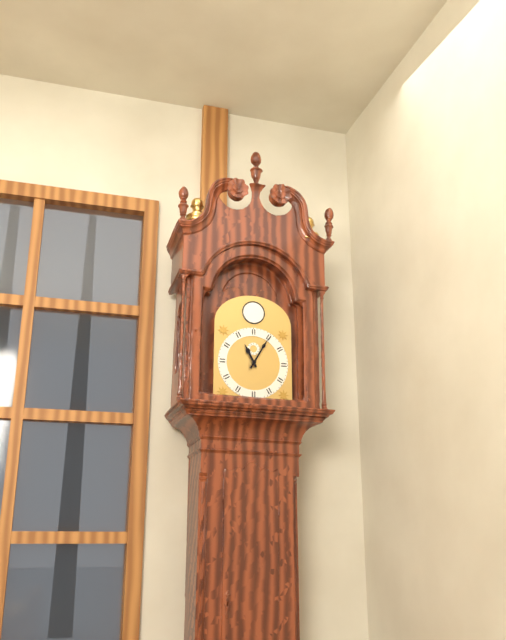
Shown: h=11 m=5
